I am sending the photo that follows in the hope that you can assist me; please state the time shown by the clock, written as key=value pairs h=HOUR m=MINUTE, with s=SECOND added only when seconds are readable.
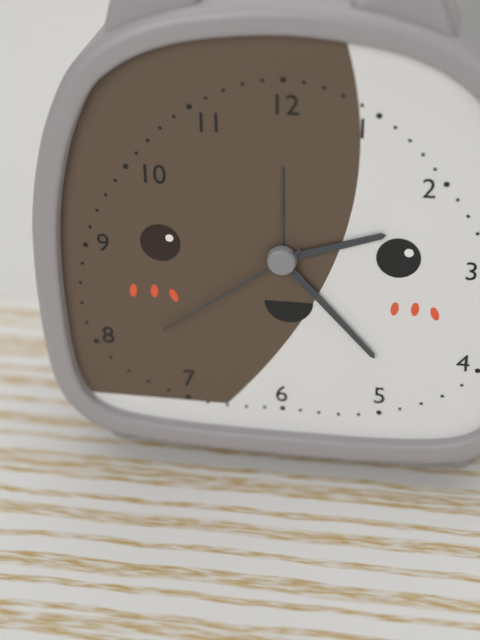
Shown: h=2 m=23 s=39
